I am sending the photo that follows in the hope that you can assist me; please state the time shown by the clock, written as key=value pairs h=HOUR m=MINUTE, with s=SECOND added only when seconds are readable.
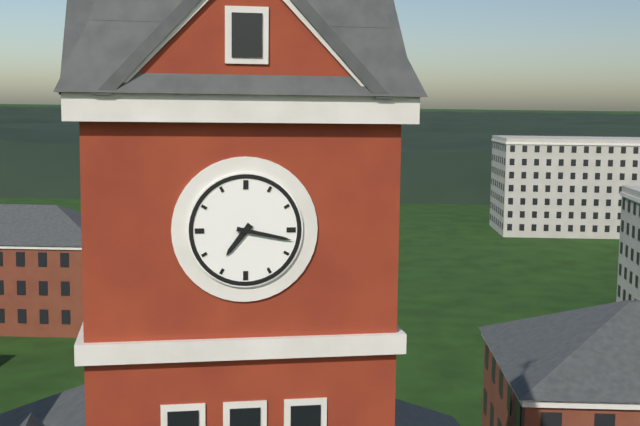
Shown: h=7 m=17
